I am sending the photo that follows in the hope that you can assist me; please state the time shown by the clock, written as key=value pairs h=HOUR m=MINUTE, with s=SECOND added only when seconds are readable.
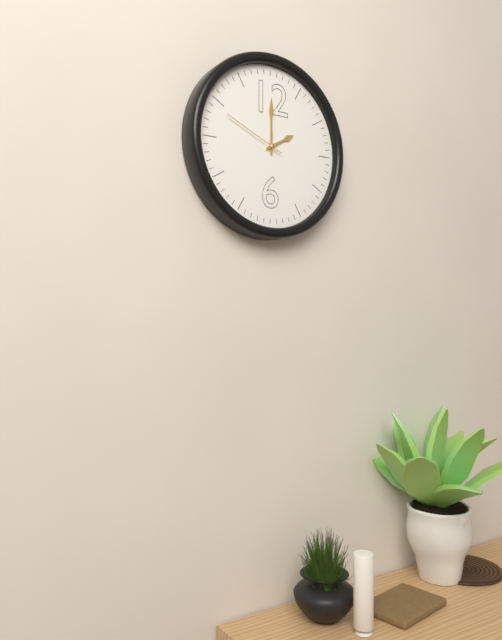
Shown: h=2 m=0 s=49
